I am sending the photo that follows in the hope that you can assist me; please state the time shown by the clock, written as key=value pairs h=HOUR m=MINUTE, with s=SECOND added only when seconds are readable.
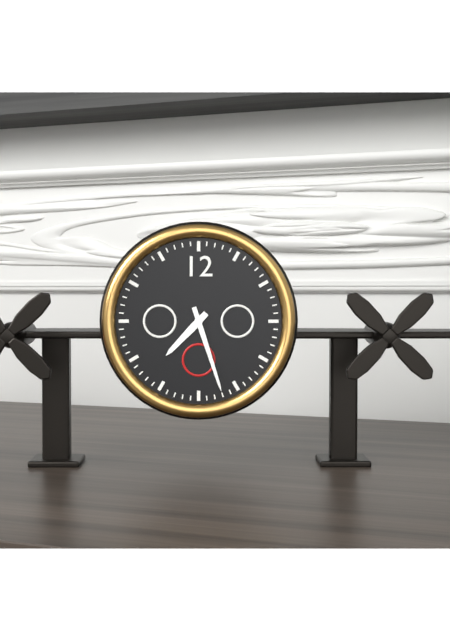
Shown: h=7 m=27
